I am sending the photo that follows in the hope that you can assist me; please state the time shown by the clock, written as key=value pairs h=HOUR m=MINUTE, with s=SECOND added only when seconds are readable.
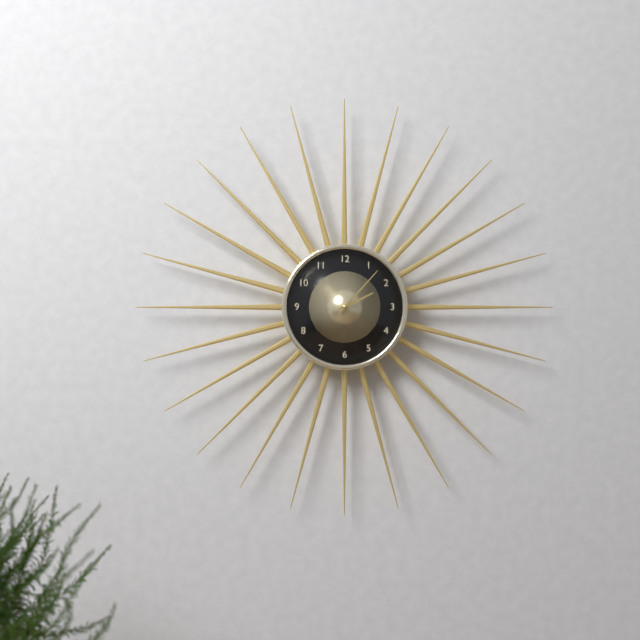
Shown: h=2 m=7
